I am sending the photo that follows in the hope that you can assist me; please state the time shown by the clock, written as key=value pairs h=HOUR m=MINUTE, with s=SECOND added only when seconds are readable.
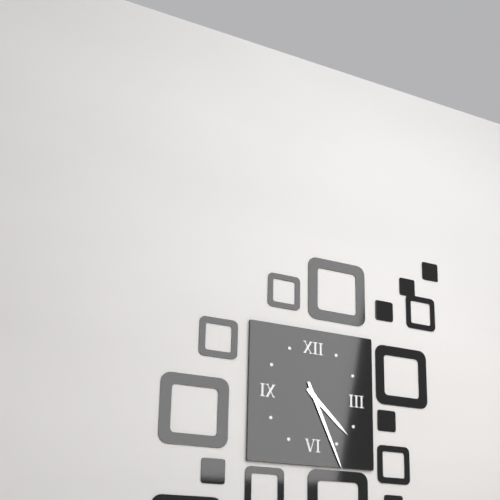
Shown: h=4 m=26
